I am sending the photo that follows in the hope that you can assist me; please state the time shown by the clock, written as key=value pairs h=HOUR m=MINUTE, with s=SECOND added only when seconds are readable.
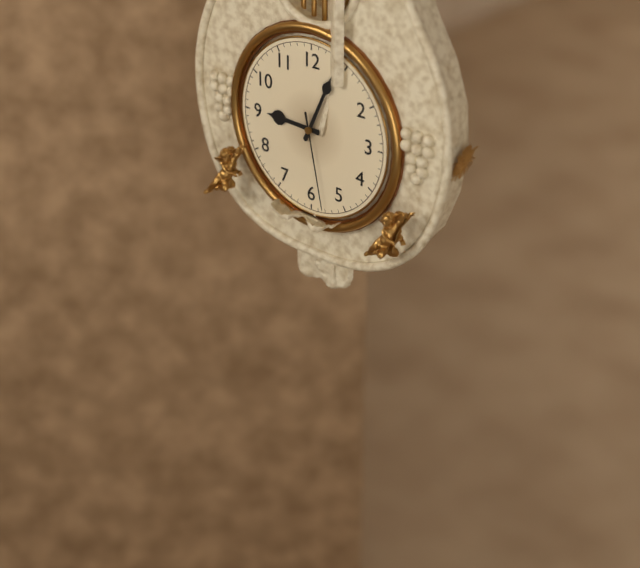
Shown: h=9 m=4 s=28
